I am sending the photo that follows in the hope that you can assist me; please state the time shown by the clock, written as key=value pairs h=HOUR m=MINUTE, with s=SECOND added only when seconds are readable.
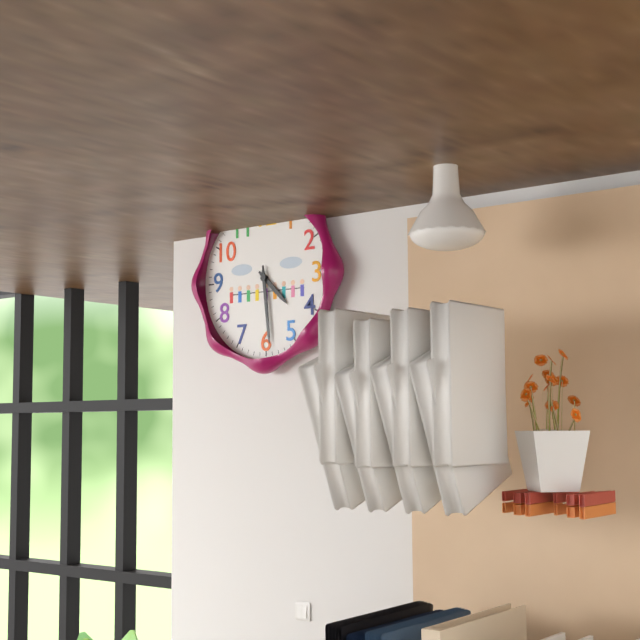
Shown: h=4 m=29
